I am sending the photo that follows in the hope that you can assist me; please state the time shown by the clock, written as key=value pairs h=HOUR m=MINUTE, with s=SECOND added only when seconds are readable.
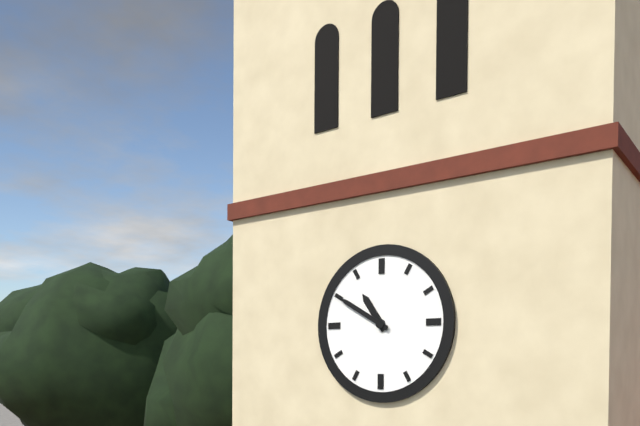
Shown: h=10 m=50
